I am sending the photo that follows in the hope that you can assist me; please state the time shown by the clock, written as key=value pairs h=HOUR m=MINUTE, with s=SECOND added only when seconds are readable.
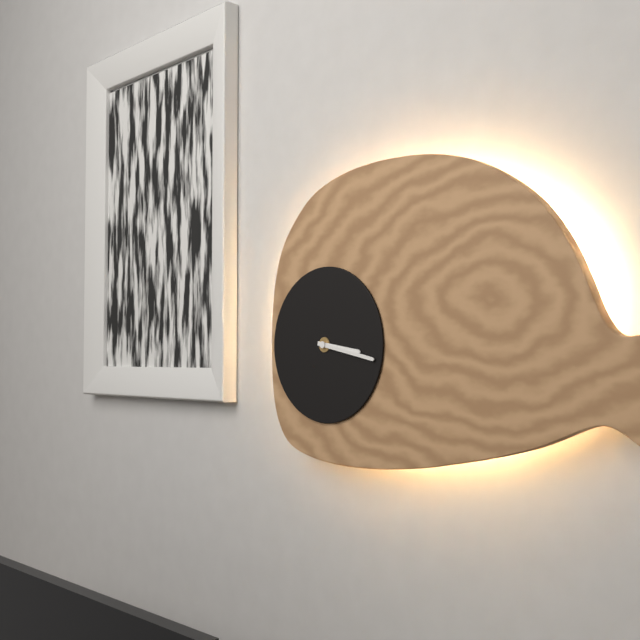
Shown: h=3 m=17
